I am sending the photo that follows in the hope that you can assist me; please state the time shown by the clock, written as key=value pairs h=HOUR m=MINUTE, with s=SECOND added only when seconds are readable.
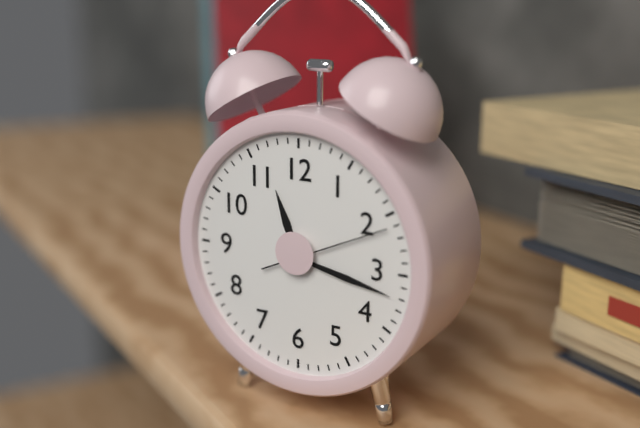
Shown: h=11 m=17 s=11
